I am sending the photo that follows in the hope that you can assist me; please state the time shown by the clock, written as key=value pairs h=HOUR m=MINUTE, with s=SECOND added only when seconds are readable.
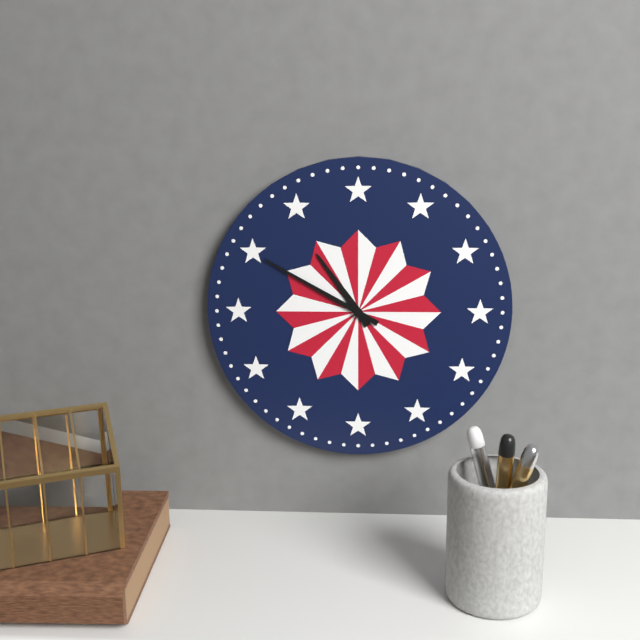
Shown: h=10 m=50
